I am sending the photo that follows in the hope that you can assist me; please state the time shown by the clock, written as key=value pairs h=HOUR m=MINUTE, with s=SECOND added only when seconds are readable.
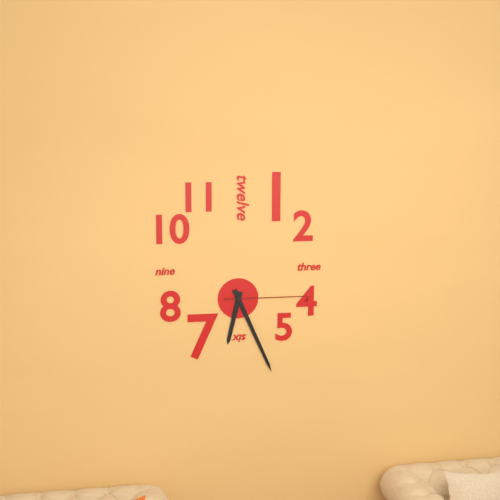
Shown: h=6 m=26 s=15
